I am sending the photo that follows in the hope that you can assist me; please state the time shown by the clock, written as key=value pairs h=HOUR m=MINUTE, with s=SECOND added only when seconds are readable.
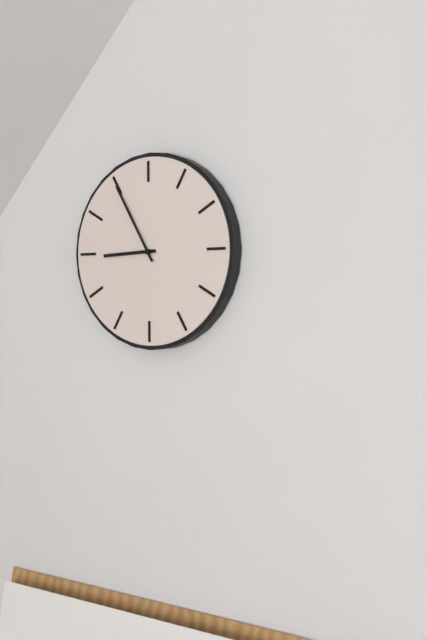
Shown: h=8 m=55
